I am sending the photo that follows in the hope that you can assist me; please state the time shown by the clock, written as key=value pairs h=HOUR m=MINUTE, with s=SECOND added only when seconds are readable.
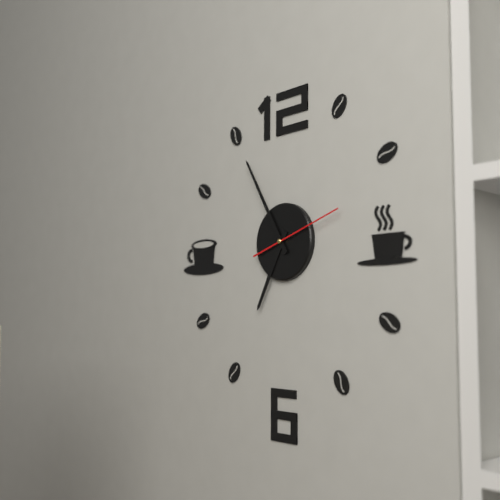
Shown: h=6 m=55 s=12
